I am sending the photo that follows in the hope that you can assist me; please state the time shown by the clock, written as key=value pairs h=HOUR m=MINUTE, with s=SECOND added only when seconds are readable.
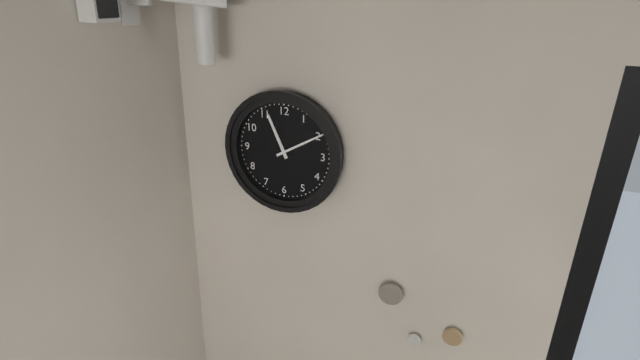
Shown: h=11 m=10
